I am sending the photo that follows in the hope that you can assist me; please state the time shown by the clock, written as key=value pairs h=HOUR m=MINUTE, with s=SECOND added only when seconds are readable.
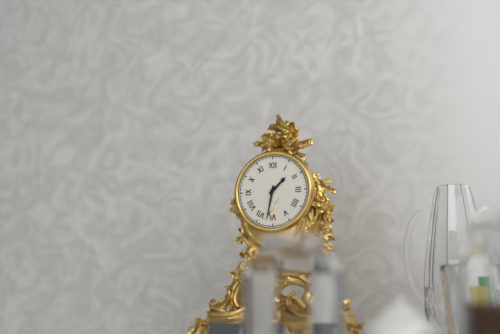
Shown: h=1 m=32
